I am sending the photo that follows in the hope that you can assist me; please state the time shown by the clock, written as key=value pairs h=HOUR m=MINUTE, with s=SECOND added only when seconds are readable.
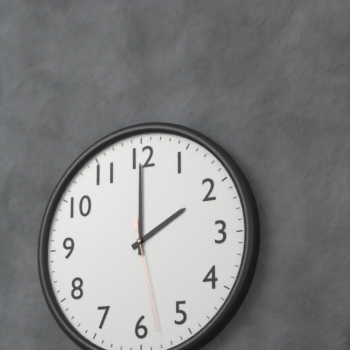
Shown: h=2 m=0 s=28
